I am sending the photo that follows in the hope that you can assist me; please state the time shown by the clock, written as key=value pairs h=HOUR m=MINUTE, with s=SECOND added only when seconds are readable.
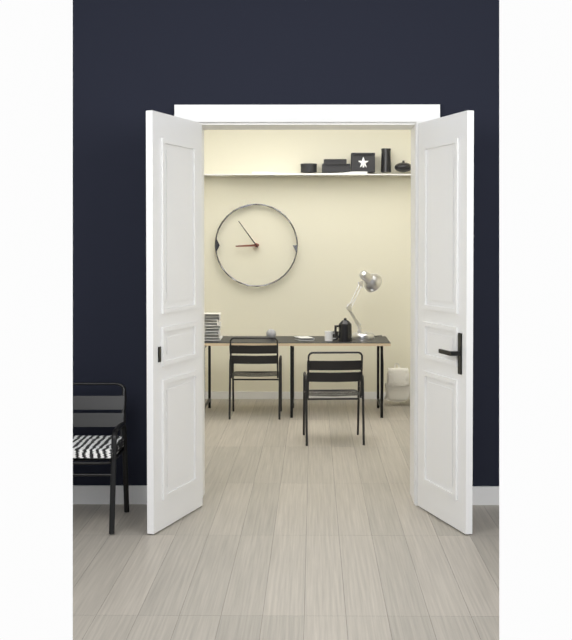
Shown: h=8 m=54
